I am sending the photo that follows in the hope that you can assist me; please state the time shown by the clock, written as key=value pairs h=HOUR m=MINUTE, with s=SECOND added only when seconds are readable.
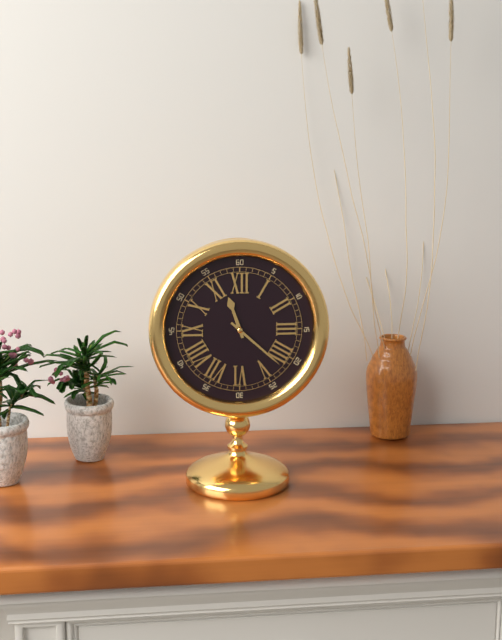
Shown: h=11 m=22
